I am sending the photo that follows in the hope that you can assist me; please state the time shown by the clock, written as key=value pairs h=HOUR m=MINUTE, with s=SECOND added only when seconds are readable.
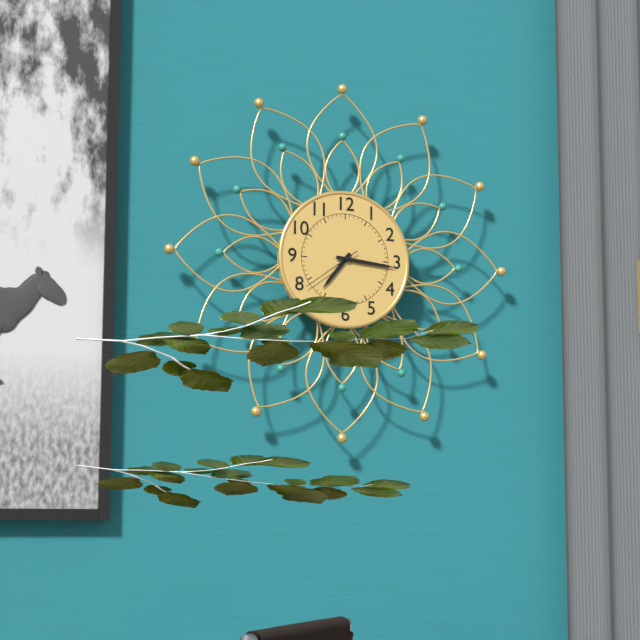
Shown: h=7 m=16 s=39
